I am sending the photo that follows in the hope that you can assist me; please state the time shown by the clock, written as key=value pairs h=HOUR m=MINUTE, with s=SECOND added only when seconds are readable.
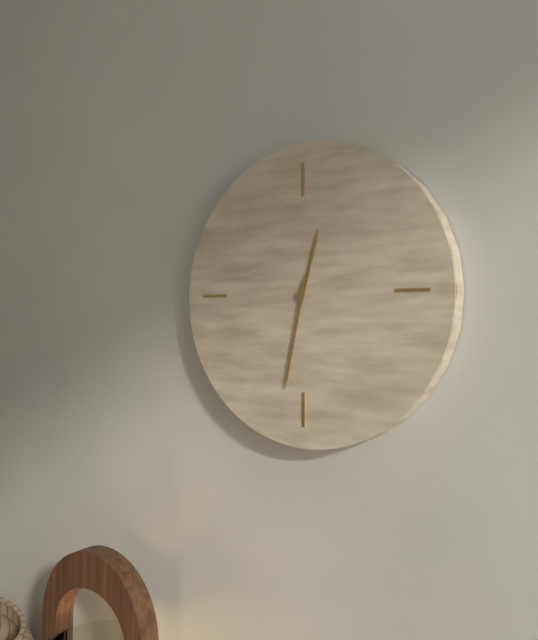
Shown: h=12 m=32
